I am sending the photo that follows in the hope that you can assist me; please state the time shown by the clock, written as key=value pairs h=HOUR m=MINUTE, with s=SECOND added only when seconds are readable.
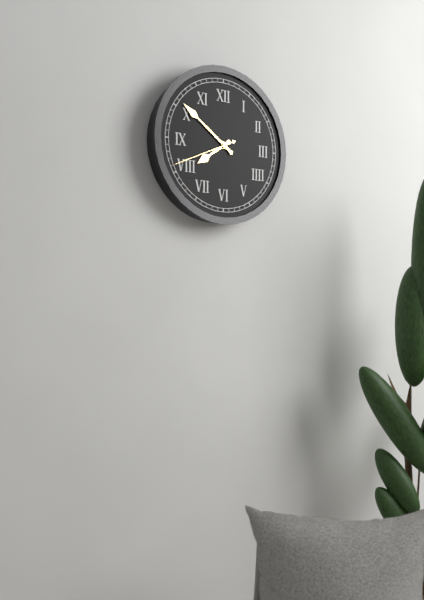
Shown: h=7 m=51 s=41
